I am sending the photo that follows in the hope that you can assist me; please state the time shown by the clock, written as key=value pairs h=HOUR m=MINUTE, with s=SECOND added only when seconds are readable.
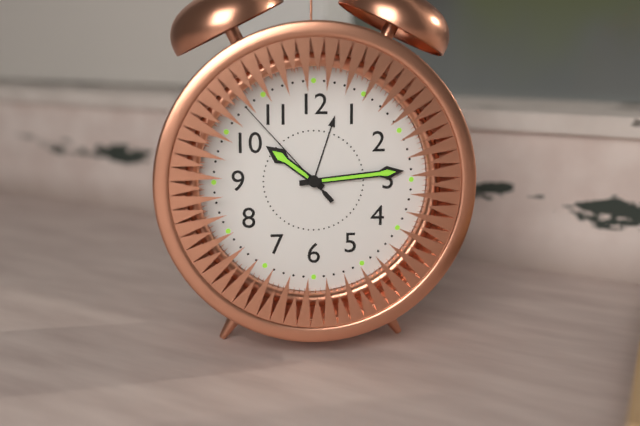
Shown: h=10 m=14 s=53
